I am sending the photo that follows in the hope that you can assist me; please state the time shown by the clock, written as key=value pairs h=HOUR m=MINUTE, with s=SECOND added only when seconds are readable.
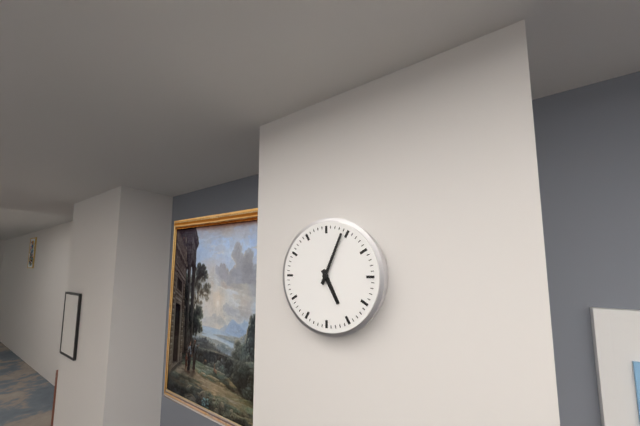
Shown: h=5 m=4
